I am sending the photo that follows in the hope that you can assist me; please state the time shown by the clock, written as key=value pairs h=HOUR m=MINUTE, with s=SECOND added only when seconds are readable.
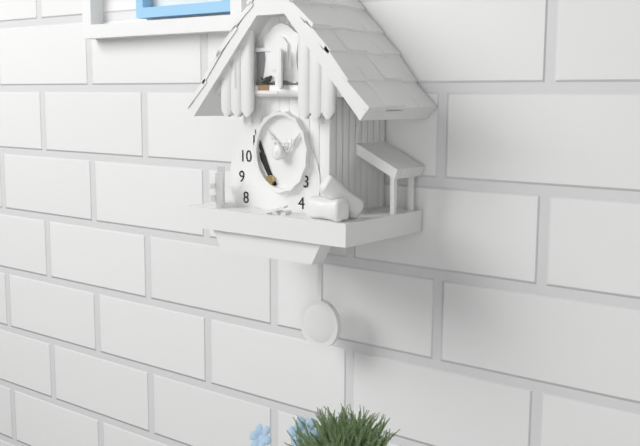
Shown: h=10 m=56
